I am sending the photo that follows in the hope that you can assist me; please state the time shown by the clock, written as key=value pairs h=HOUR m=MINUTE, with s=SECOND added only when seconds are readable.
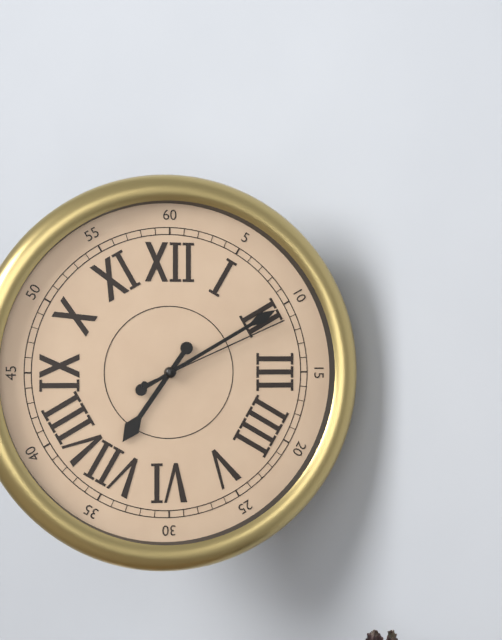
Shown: h=7 m=10 s=11
